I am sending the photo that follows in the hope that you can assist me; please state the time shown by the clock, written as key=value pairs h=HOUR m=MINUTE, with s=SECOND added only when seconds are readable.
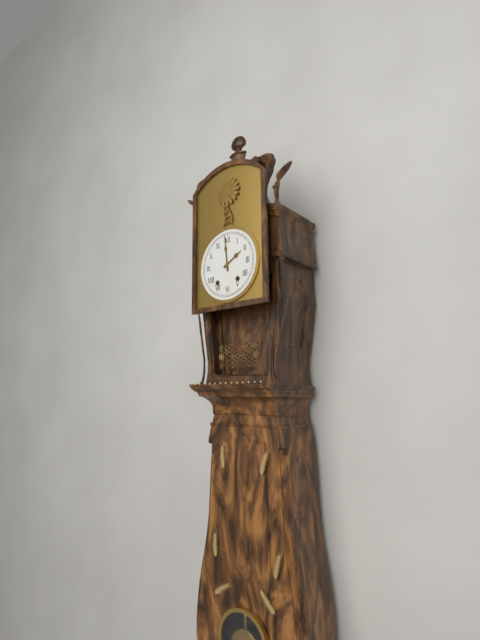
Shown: h=1 m=59
